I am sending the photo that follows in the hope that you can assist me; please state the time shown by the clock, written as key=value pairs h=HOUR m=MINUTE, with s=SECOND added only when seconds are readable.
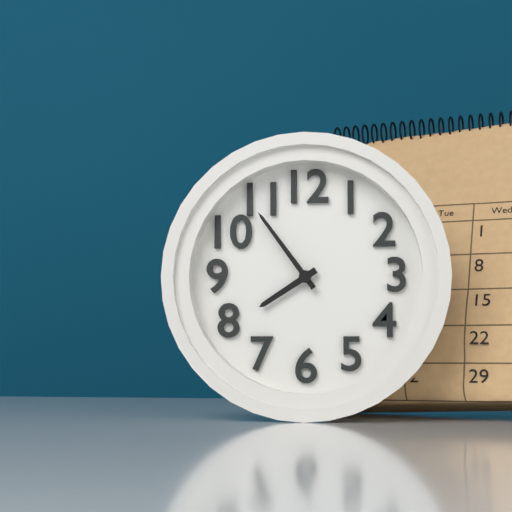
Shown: h=7 m=54
